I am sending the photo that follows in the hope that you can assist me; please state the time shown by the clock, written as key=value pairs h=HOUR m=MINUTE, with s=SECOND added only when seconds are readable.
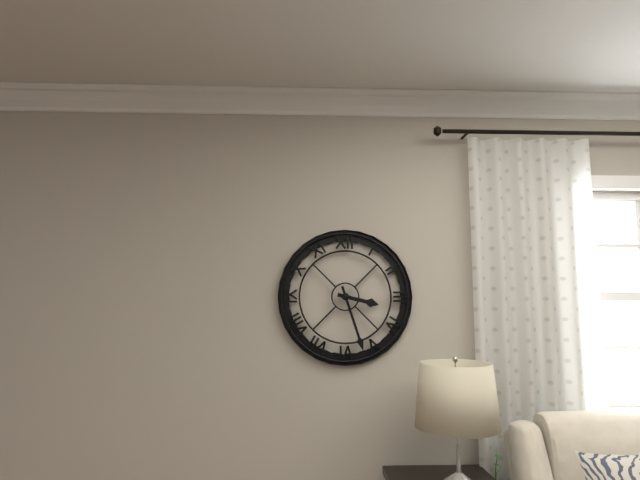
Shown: h=3 m=27
